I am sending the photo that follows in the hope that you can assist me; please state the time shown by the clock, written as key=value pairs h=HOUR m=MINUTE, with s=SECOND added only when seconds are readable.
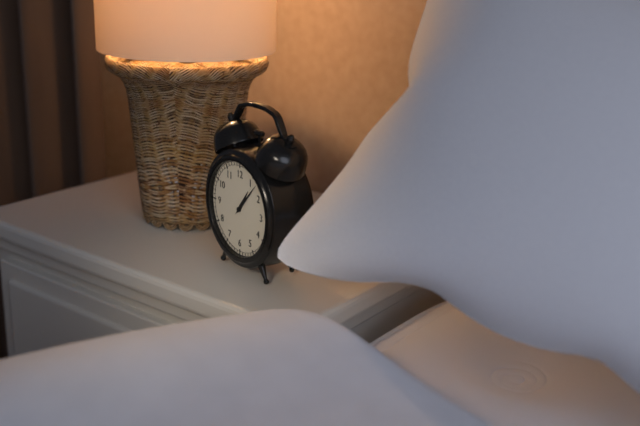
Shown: h=1 m=7
